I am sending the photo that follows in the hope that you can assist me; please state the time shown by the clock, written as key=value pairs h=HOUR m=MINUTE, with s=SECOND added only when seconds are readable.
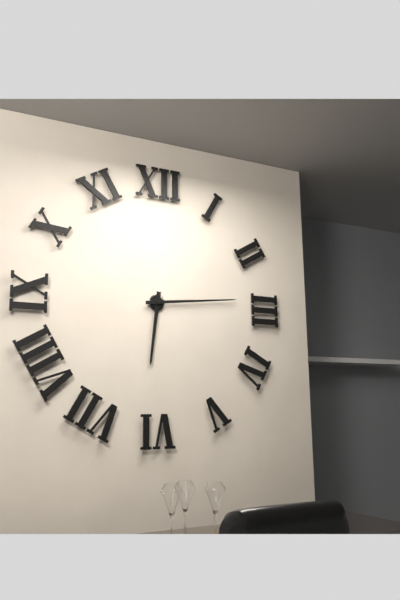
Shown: h=6 m=14
